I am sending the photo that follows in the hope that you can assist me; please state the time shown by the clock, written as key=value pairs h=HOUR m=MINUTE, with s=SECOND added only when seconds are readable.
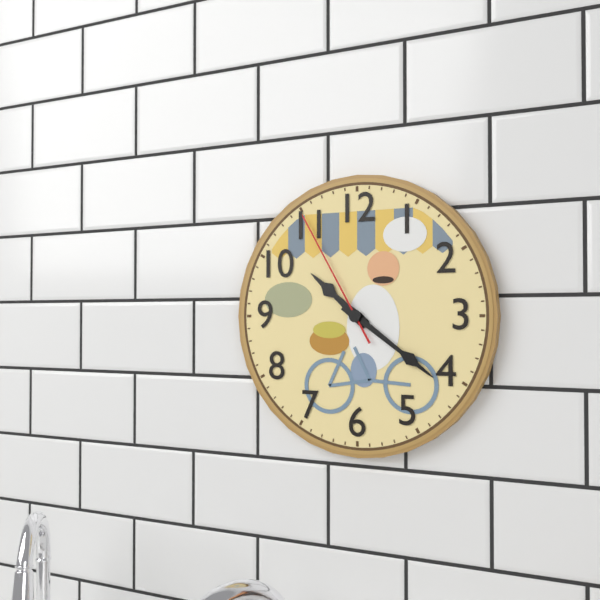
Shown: h=10 m=21 s=55
